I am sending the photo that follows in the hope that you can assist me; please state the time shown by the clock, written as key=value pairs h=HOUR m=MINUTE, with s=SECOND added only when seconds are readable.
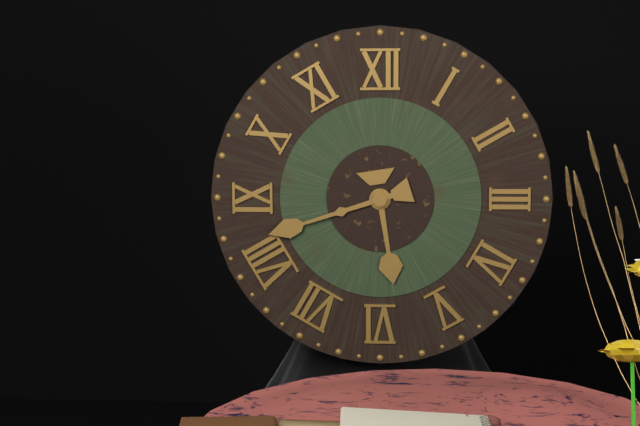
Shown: h=5 m=42
